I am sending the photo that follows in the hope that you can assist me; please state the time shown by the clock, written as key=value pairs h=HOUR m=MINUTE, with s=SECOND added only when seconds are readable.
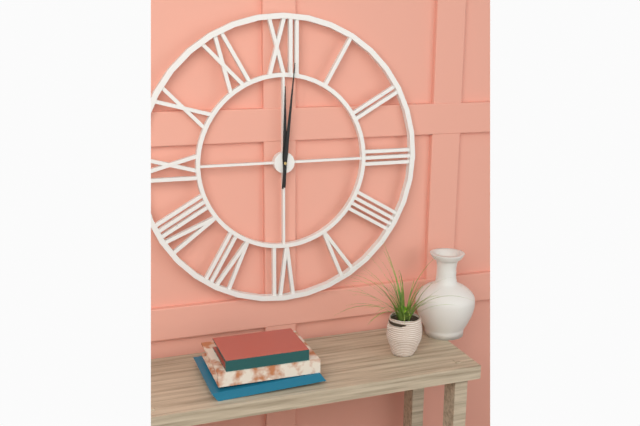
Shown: h=12 m=1
